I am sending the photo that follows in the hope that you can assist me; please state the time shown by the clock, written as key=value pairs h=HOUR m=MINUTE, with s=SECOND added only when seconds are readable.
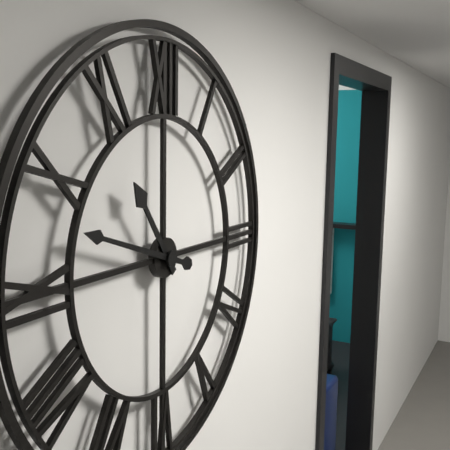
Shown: h=10 m=48
